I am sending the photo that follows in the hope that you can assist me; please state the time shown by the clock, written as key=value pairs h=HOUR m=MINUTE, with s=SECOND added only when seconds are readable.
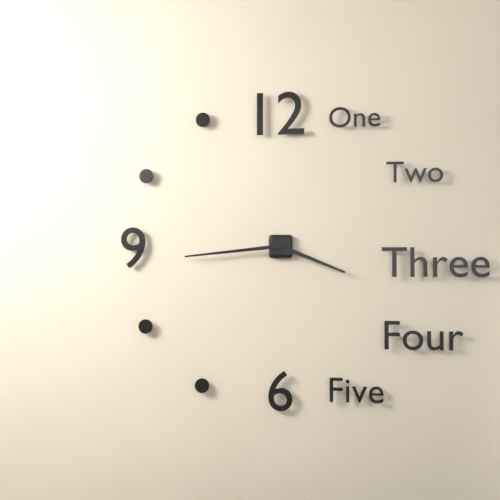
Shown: h=3 m=44
